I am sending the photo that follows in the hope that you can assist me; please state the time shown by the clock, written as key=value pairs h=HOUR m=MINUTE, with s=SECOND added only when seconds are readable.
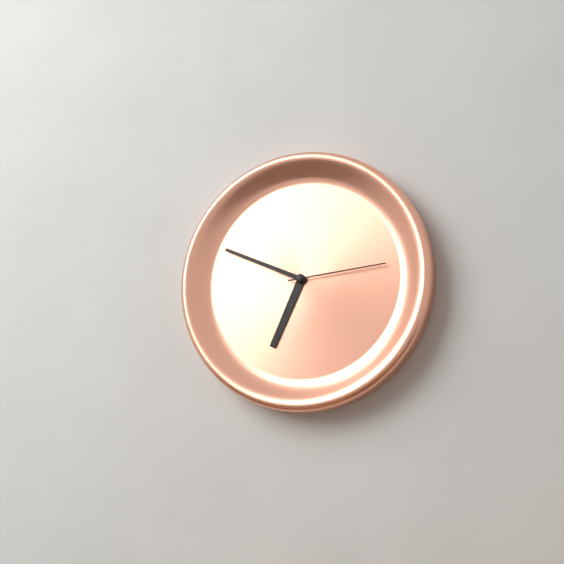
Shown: h=6 m=49 s=14
